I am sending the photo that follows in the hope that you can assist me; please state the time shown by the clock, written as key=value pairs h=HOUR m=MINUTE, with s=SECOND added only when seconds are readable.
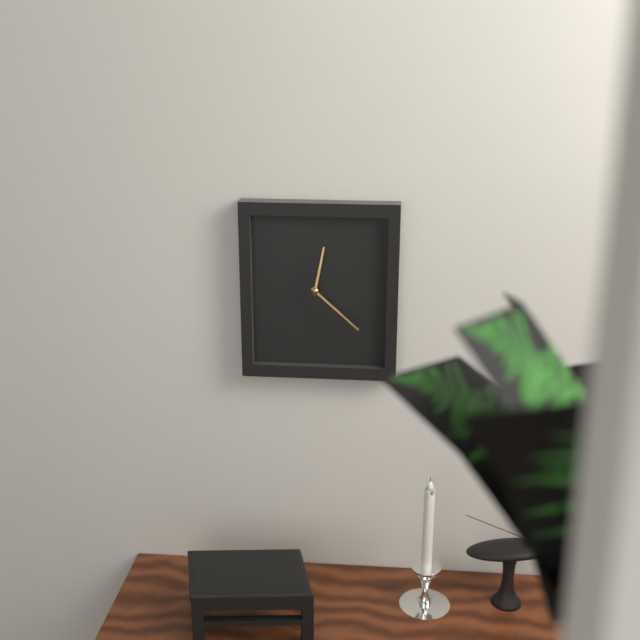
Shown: h=12 m=22
